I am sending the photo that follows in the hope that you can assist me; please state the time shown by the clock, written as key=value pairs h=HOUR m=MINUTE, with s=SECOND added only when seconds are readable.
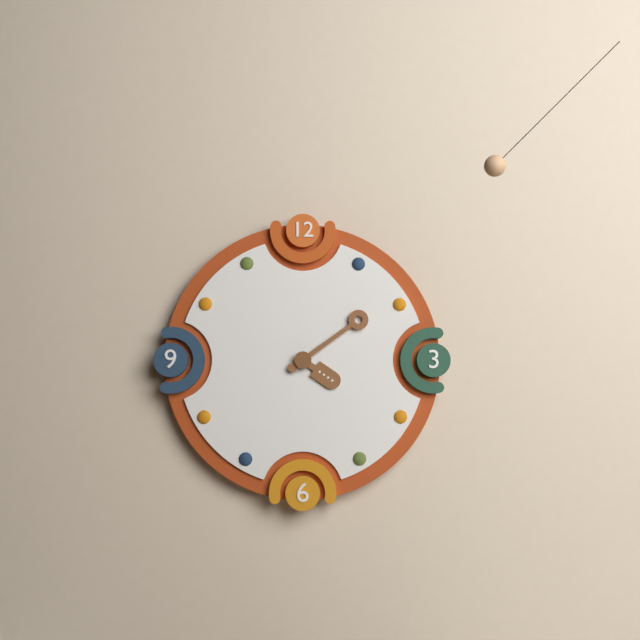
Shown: h=4 m=9
